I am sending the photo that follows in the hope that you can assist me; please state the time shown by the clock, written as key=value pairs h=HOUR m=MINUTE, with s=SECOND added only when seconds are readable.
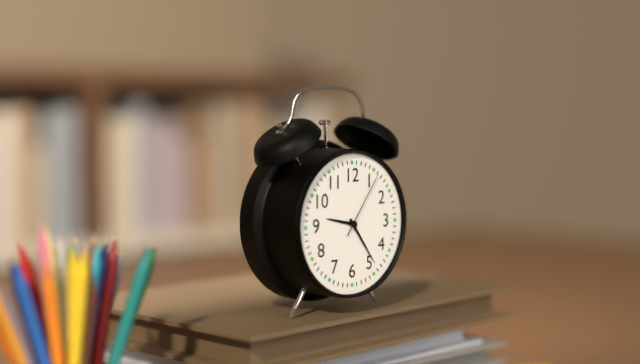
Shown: h=9 m=24 s=6
